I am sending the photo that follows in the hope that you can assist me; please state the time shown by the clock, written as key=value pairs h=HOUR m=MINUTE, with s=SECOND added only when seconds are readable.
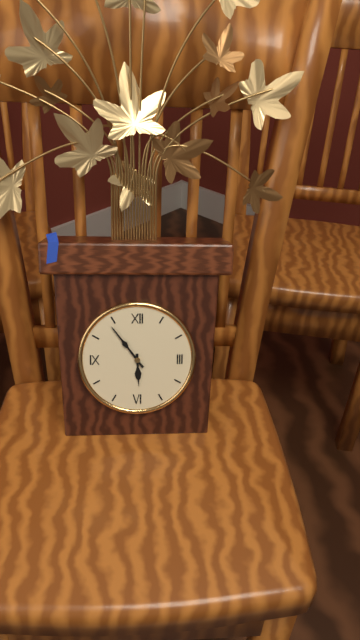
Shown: h=5 m=54
